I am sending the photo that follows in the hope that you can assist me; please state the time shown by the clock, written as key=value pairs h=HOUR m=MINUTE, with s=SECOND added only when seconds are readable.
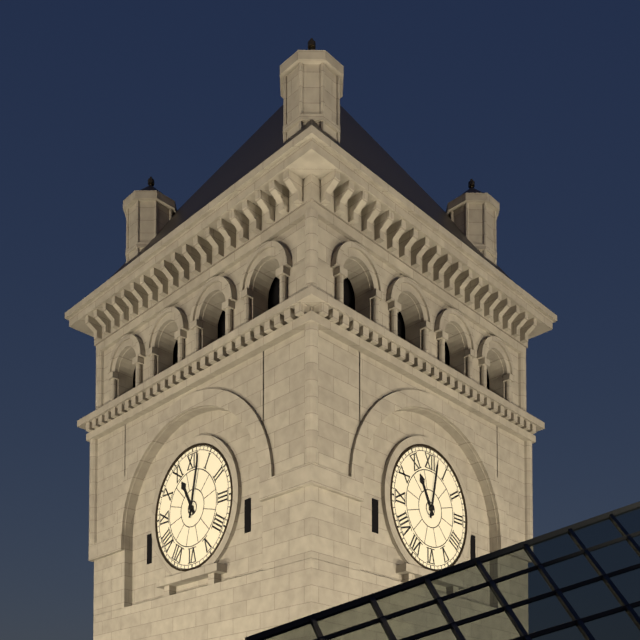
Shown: h=11 m=2
